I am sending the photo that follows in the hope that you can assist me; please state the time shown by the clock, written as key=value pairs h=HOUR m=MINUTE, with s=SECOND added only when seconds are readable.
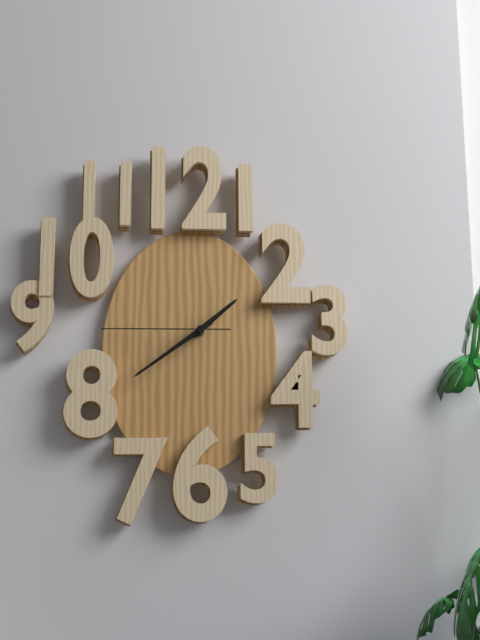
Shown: h=1 m=39 s=45
